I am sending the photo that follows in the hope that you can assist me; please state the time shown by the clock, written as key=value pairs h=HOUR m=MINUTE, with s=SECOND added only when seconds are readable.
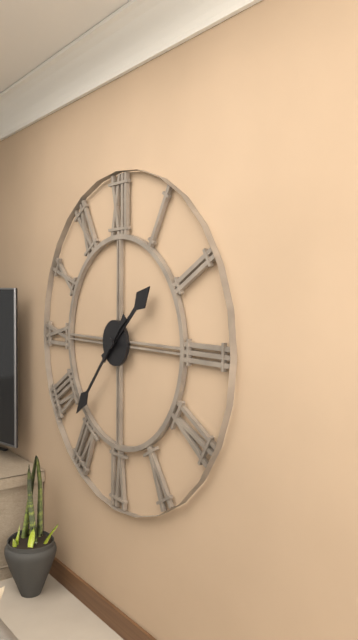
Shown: h=1 m=37
